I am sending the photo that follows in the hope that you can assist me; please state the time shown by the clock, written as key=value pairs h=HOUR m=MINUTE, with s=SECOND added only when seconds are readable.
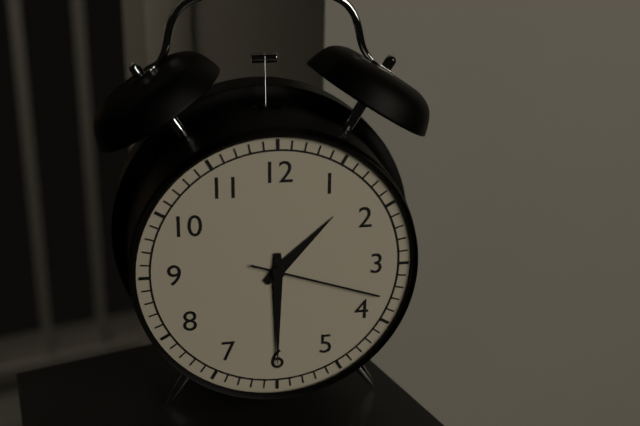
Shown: h=1 m=30 s=18
